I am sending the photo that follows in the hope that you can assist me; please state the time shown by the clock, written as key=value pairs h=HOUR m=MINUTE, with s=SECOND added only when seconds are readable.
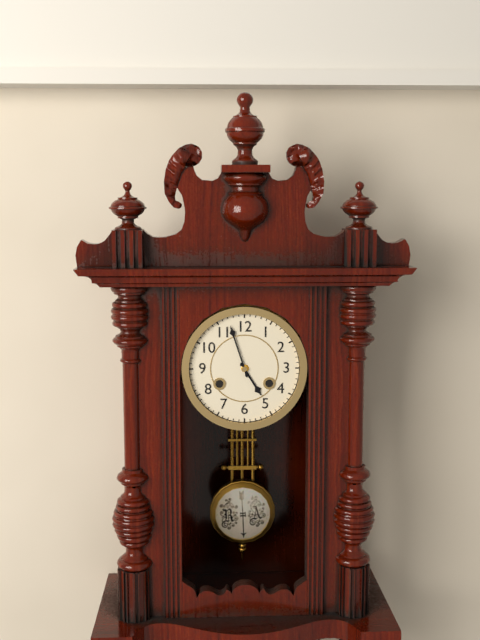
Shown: h=4 m=57
